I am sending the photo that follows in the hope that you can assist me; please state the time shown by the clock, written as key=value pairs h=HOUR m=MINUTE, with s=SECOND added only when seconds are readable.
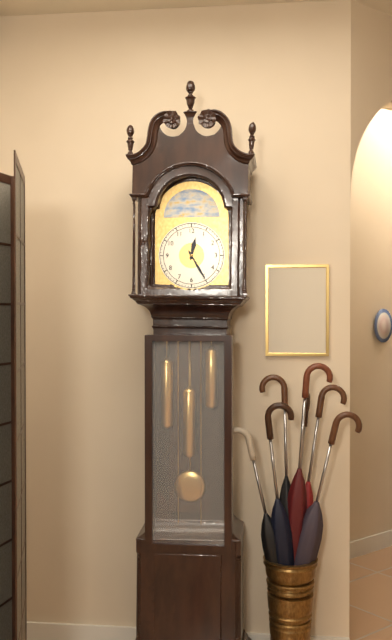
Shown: h=12 m=25
